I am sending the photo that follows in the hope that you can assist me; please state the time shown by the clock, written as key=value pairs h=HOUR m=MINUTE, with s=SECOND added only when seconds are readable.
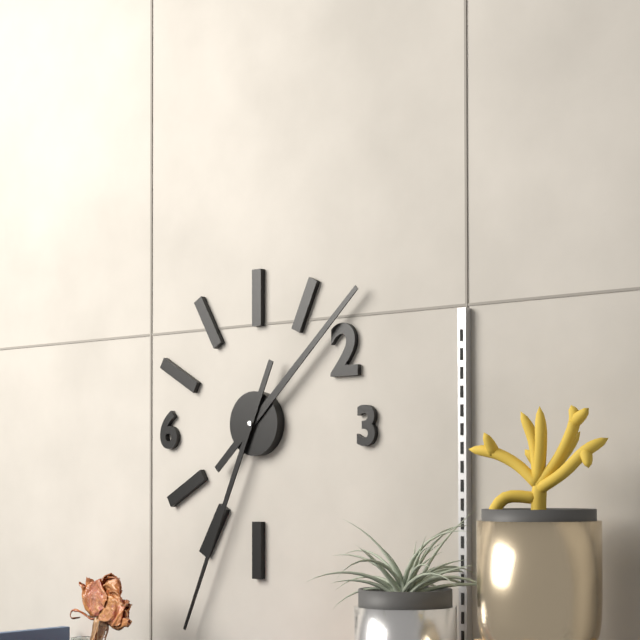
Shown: h=1 m=34
